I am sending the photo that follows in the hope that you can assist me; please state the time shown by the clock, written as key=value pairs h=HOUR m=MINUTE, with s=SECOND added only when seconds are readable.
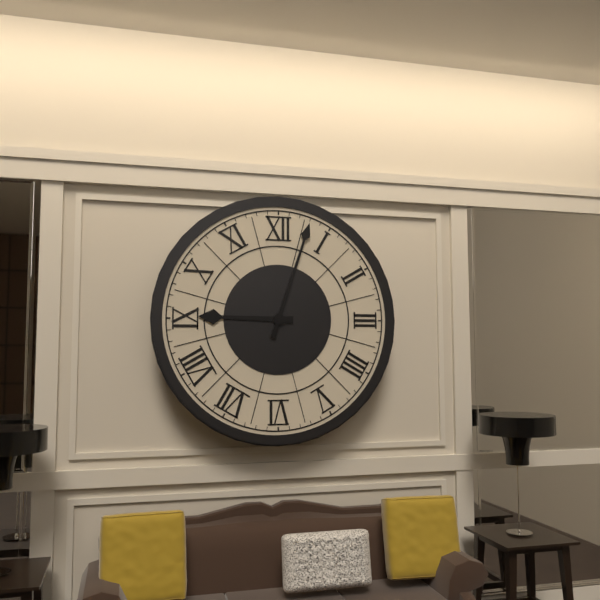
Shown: h=9 m=3
